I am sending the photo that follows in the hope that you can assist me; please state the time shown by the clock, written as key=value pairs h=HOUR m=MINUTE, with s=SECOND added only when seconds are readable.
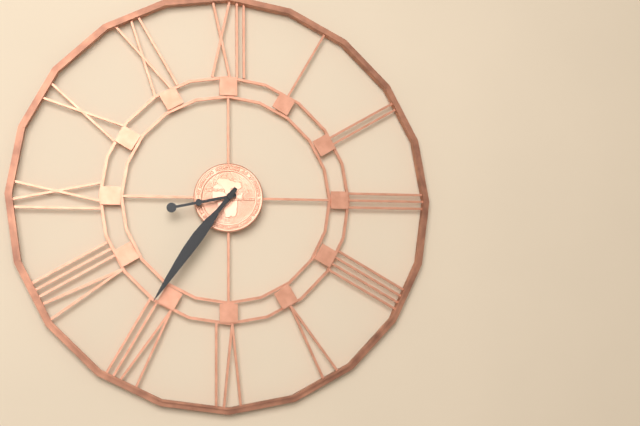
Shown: h=8 m=36
